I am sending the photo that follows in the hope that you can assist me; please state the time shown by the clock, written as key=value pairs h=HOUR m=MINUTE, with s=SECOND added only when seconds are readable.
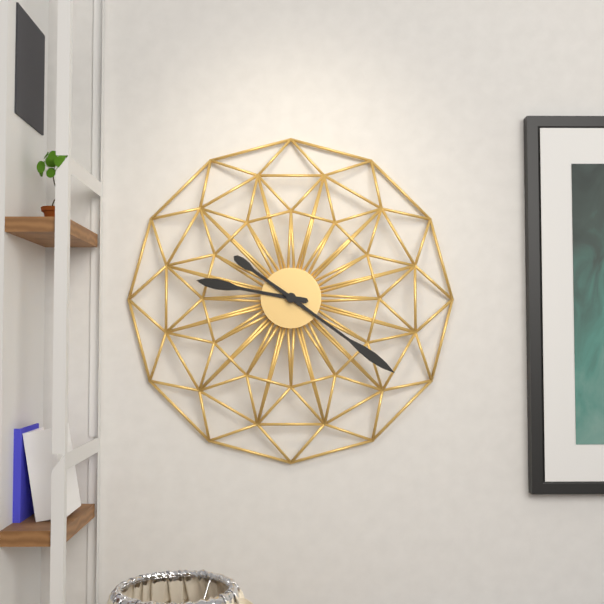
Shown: h=9 m=21
